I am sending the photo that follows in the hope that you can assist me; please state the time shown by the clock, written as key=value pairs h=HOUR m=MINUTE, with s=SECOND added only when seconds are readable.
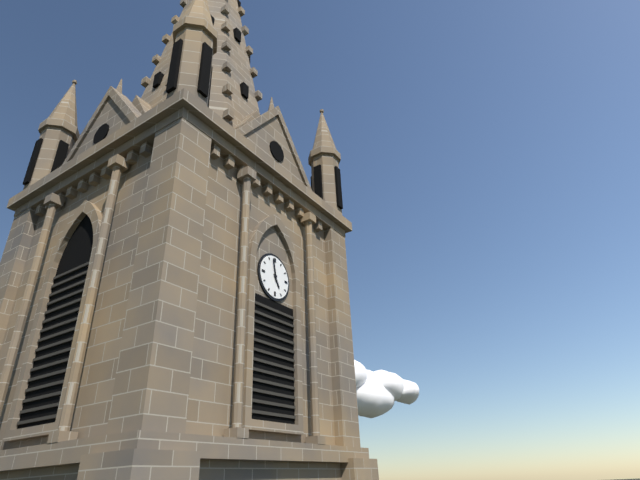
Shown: h=4 m=58
